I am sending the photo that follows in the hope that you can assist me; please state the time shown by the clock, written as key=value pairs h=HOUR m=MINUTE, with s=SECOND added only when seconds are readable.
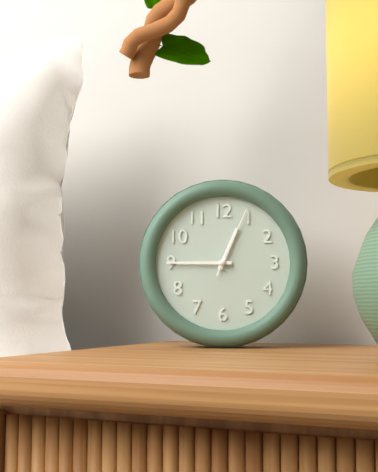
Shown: h=12 m=45 s=4
